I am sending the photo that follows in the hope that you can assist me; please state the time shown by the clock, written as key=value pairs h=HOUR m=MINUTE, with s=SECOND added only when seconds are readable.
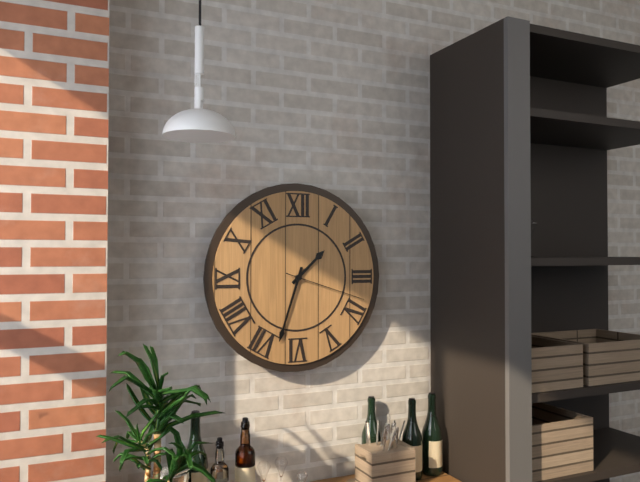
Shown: h=1 m=33 s=18
